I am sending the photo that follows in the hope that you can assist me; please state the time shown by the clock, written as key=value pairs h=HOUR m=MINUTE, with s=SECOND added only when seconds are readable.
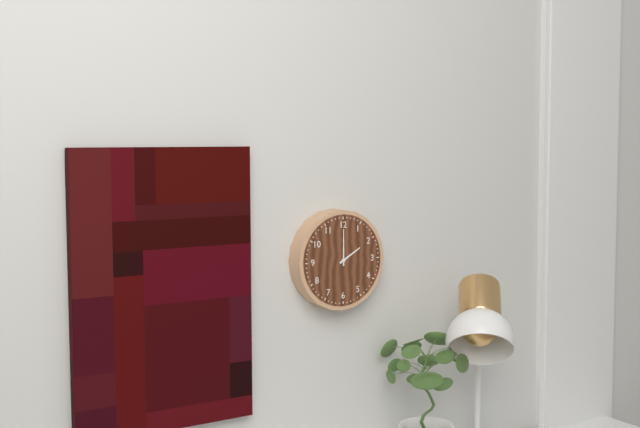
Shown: h=2 m=0
